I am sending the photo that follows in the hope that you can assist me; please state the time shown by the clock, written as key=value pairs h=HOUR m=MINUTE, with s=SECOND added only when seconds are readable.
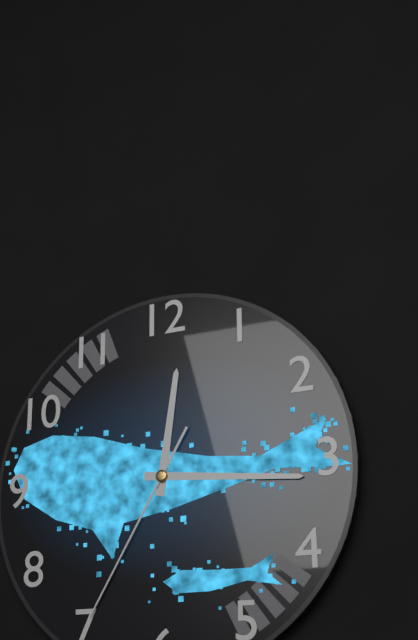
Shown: h=12 m=16 s=35
